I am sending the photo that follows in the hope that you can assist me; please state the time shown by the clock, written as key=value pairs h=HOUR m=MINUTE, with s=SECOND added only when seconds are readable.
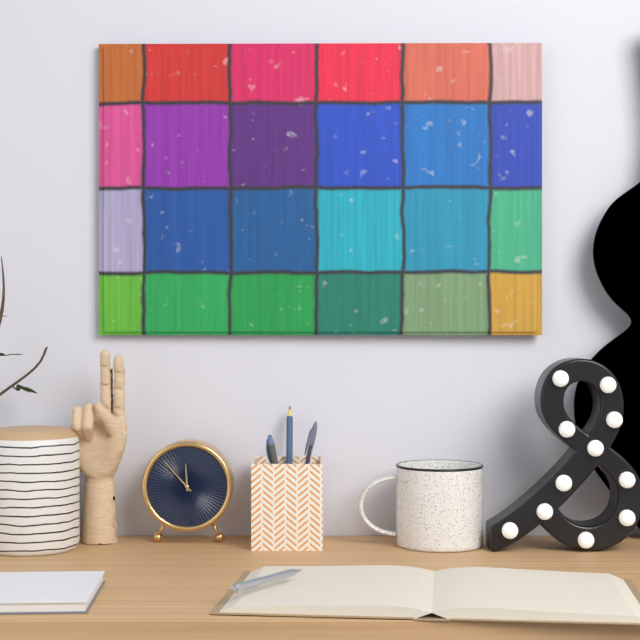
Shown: h=11 m=53
